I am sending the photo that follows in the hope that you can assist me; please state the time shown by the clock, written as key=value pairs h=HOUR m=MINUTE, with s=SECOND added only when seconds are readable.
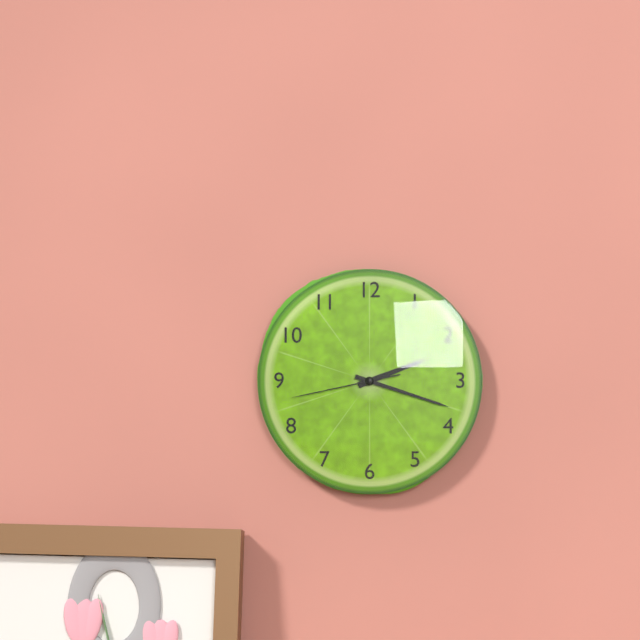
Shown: h=2 m=18 s=43
